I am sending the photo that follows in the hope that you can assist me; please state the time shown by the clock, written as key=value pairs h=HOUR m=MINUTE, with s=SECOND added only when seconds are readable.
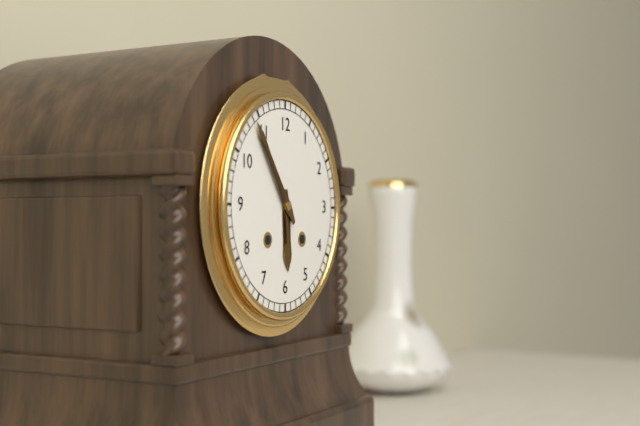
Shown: h=5 m=54
